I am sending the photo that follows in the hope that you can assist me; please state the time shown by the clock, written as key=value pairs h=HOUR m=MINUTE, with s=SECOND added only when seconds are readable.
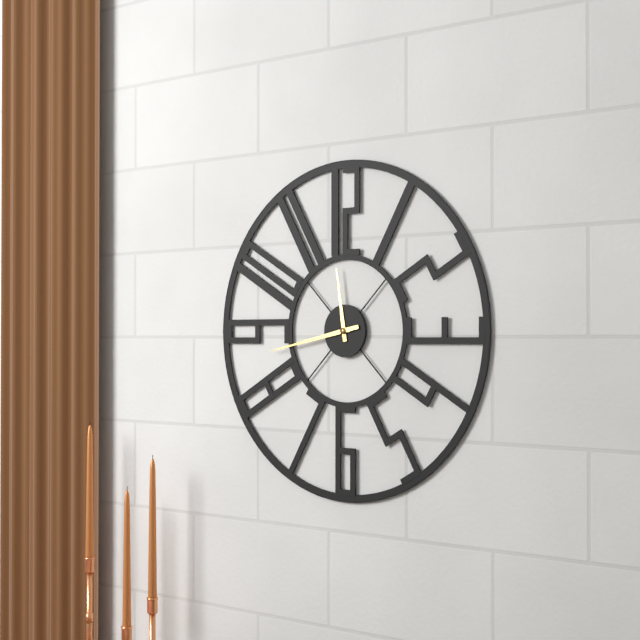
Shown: h=11 m=43
